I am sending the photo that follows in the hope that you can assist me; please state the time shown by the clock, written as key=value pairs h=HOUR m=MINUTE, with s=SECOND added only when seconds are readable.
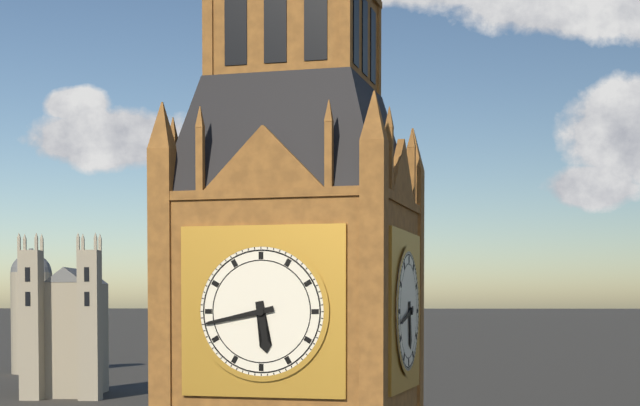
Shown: h=5 m=43
